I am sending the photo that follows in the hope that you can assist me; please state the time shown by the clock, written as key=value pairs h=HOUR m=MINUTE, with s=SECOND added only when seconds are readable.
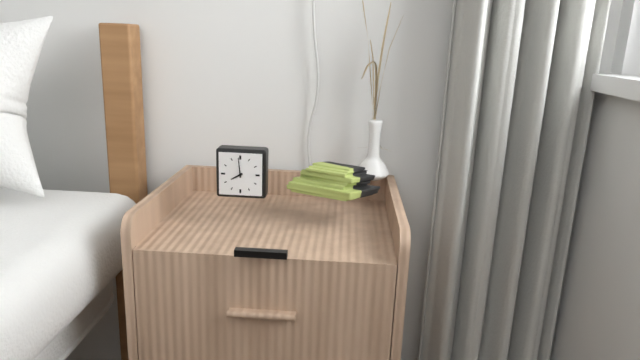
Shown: h=7 m=59
